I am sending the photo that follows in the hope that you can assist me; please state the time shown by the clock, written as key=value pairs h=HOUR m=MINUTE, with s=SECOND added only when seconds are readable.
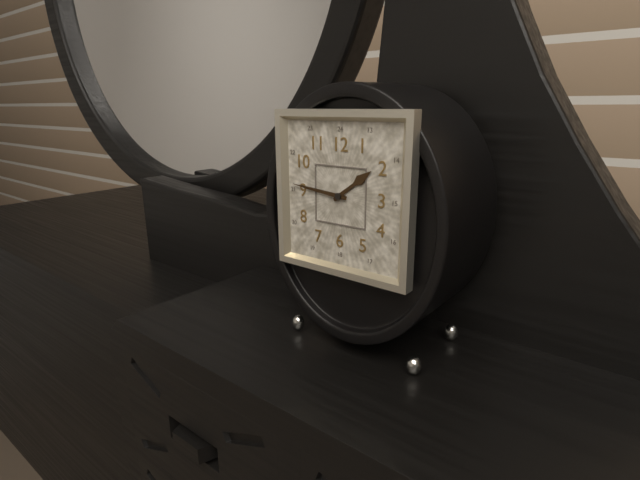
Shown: h=1 m=46
